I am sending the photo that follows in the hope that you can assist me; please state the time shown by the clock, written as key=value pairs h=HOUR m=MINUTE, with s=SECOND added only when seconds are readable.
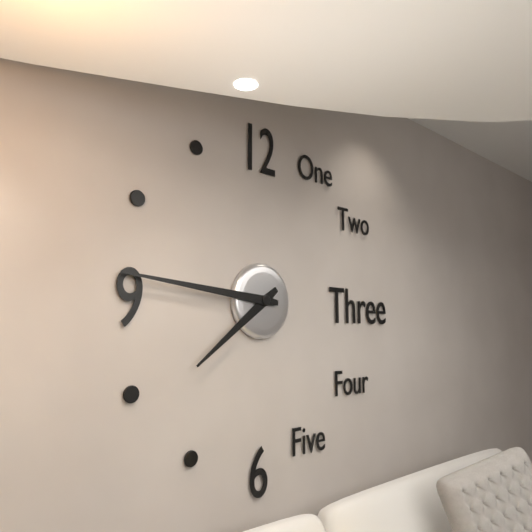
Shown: h=7 m=46
